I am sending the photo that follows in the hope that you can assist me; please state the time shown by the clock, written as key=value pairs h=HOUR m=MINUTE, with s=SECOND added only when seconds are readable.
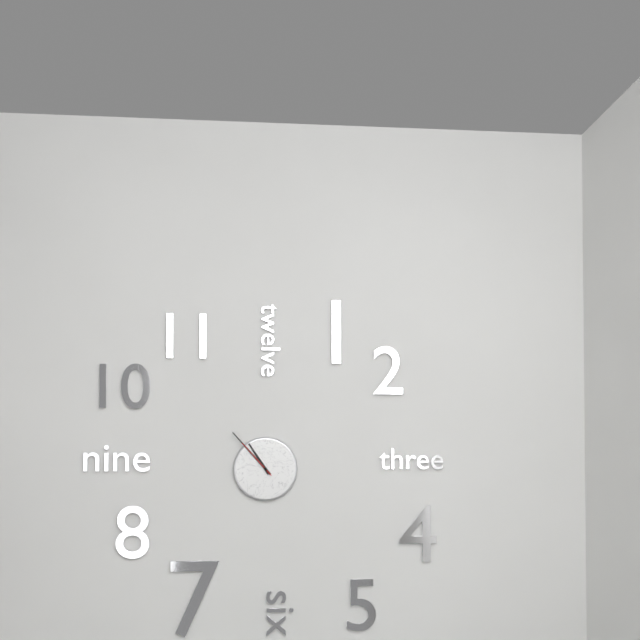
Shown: h=10 m=53
